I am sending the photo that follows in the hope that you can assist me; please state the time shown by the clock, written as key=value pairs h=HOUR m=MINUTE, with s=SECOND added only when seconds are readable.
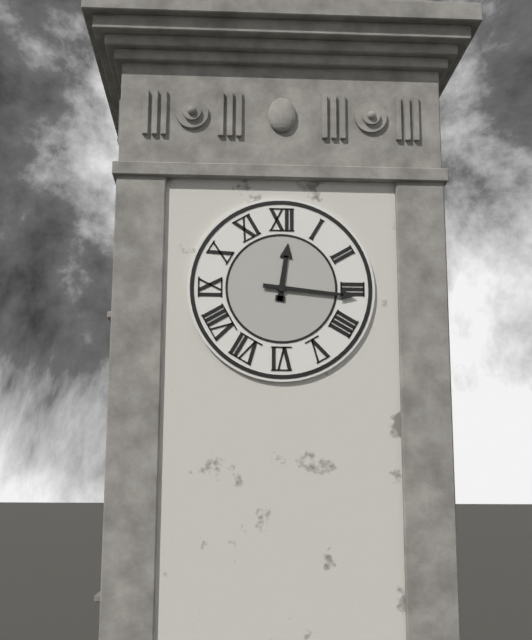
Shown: h=12 m=16
